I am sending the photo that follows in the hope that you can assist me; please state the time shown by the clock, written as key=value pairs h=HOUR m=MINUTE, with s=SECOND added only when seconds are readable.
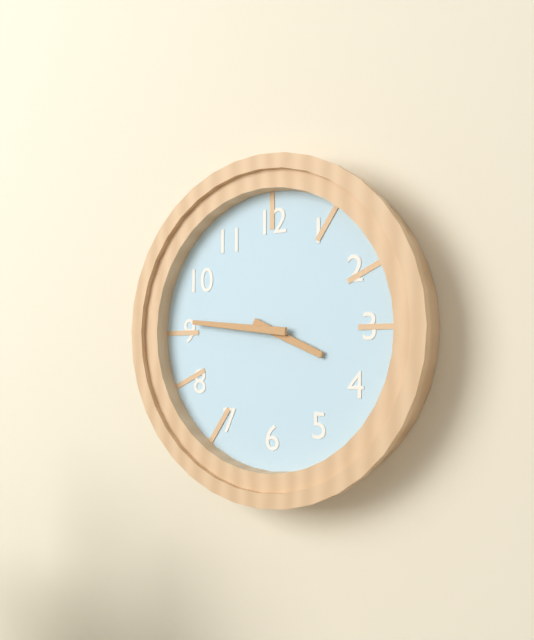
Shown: h=3 m=46
